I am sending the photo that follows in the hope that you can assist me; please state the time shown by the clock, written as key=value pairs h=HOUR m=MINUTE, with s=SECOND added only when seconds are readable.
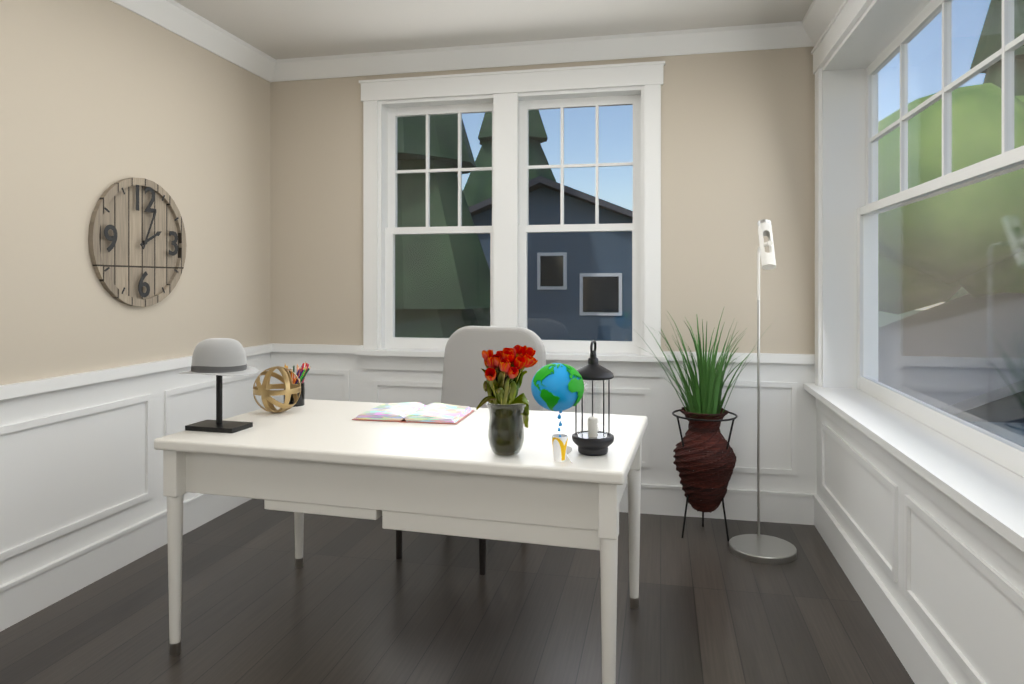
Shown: h=2 m=4
